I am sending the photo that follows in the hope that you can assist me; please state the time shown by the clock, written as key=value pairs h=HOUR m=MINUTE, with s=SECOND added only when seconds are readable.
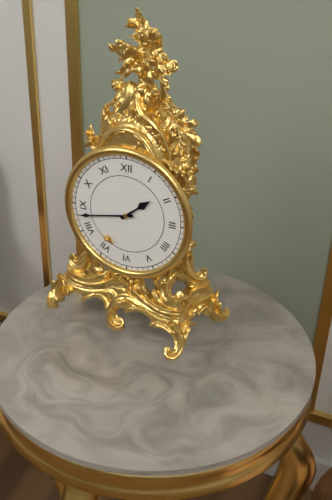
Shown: h=1 m=43
